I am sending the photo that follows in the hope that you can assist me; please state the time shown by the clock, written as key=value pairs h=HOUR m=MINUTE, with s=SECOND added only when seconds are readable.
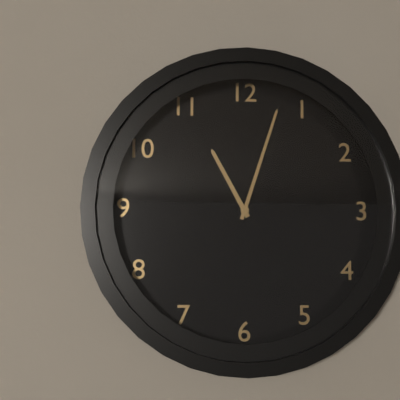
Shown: h=11 m=3
